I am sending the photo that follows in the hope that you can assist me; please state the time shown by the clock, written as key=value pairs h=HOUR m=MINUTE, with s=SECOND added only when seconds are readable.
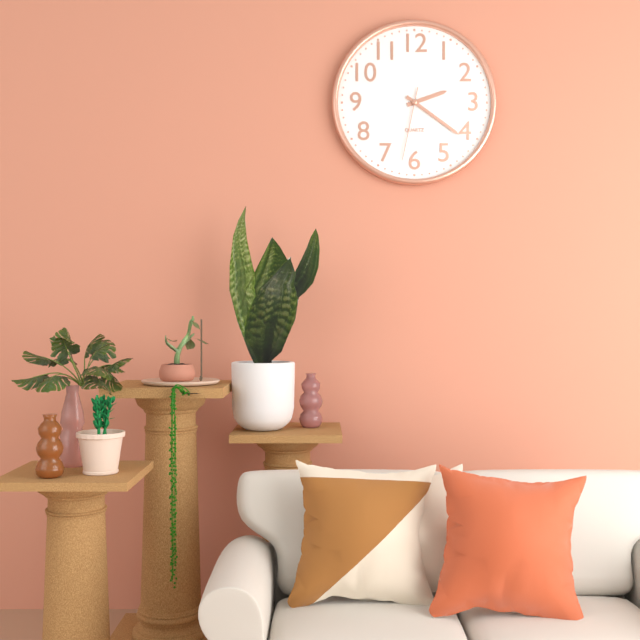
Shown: h=2 m=21 s=32
